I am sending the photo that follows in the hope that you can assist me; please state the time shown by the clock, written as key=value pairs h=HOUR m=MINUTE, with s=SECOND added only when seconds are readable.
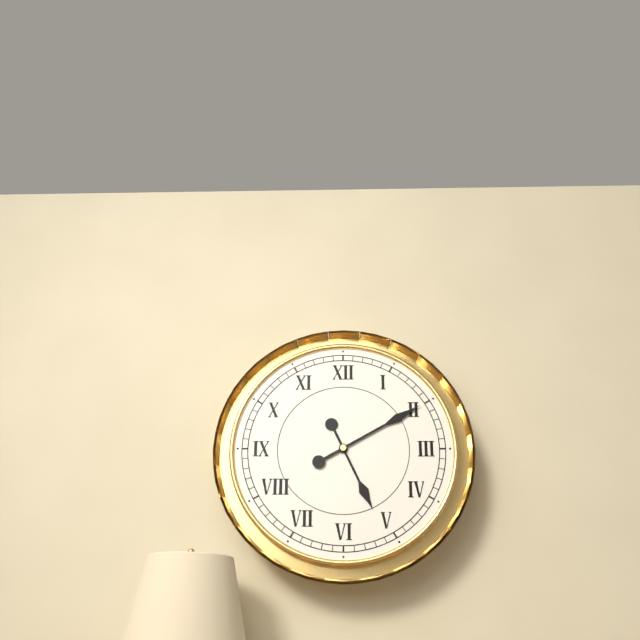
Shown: h=5 m=10
